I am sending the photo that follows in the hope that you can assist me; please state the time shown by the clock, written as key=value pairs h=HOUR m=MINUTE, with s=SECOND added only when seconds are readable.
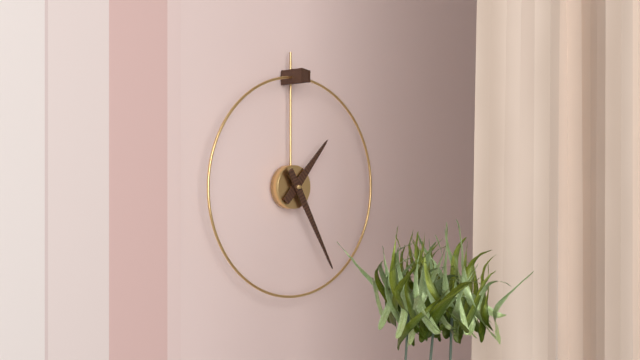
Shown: h=1 m=25
